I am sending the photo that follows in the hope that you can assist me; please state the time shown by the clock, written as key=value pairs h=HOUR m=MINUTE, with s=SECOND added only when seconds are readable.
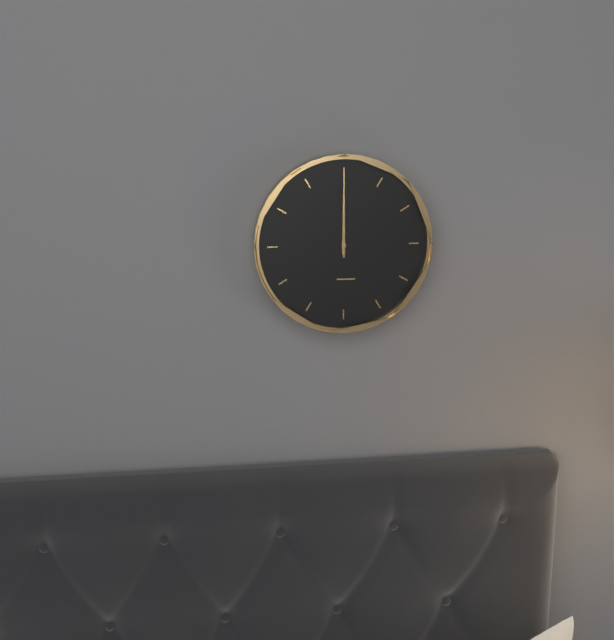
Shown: h=12 m=0
